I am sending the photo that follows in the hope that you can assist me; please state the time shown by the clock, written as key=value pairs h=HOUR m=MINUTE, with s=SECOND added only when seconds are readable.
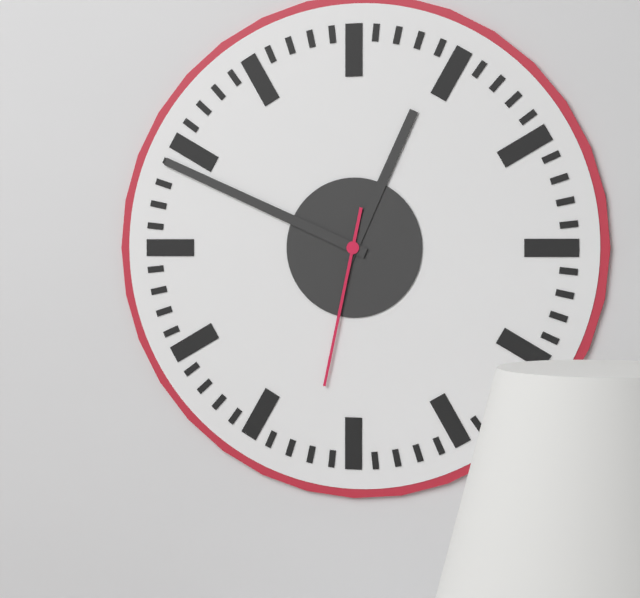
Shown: h=12 m=49 s=32
